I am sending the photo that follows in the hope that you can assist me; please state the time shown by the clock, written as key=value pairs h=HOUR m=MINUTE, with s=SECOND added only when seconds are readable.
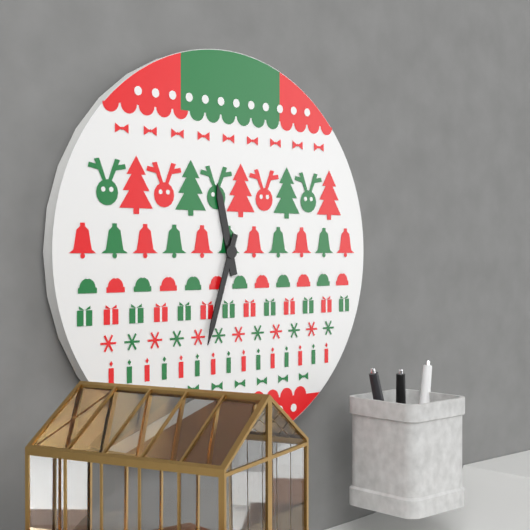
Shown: h=11 m=33
